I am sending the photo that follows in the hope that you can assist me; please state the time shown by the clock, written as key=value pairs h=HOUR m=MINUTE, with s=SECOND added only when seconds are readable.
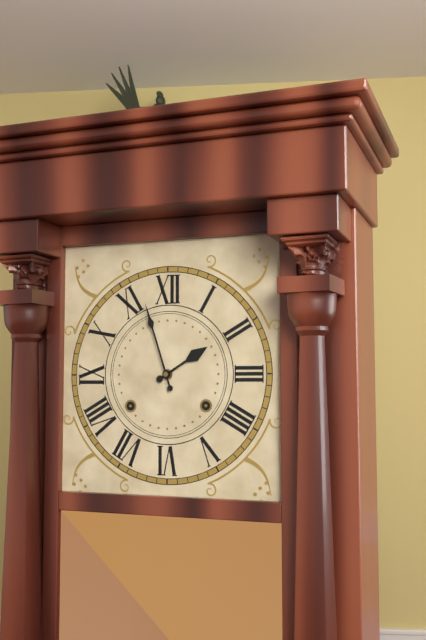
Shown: h=1 m=57
